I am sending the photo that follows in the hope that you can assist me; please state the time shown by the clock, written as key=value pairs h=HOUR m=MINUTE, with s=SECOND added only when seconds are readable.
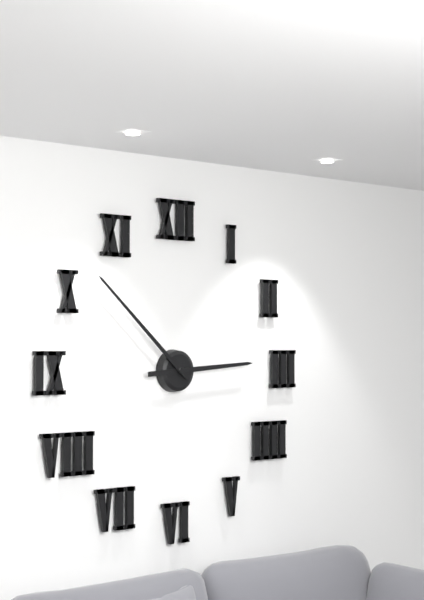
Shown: h=2 m=52
